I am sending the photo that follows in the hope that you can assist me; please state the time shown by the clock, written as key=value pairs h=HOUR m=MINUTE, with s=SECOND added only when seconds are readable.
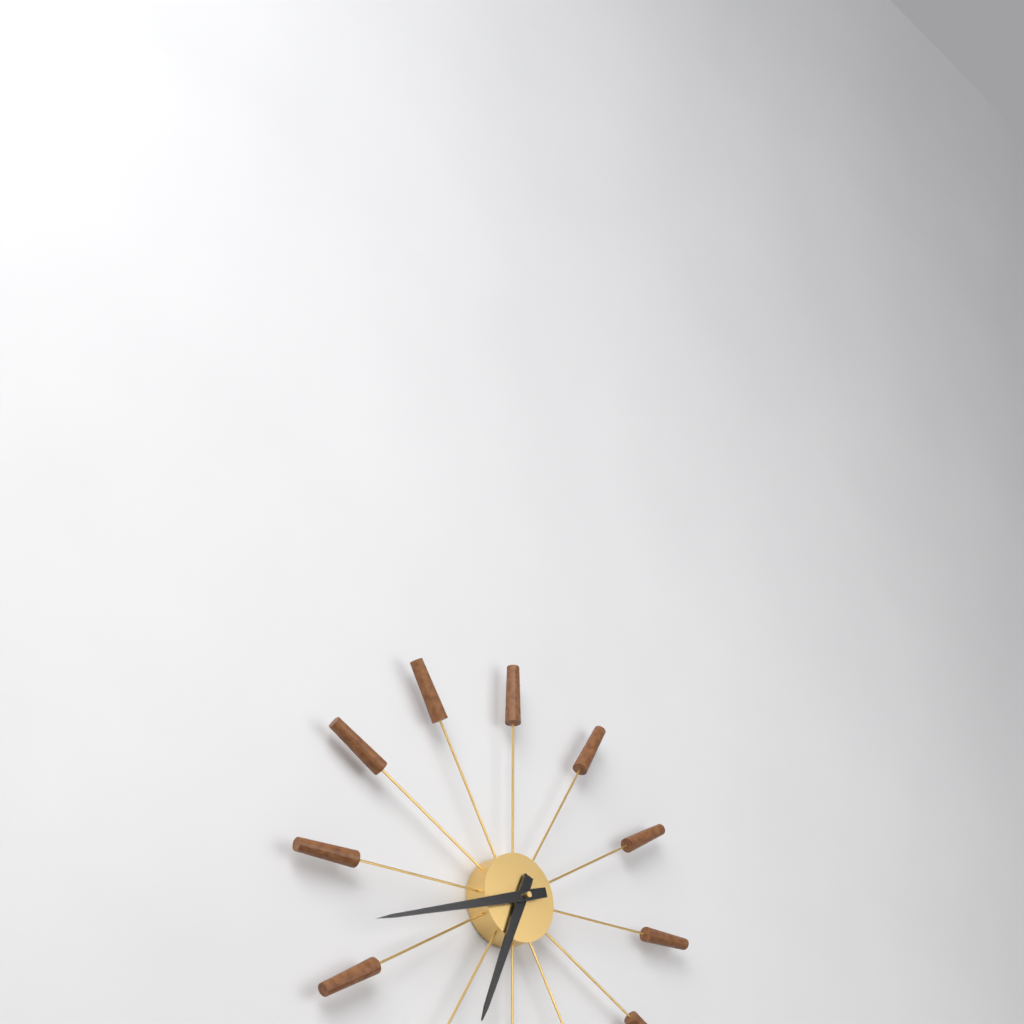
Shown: h=6 m=42
